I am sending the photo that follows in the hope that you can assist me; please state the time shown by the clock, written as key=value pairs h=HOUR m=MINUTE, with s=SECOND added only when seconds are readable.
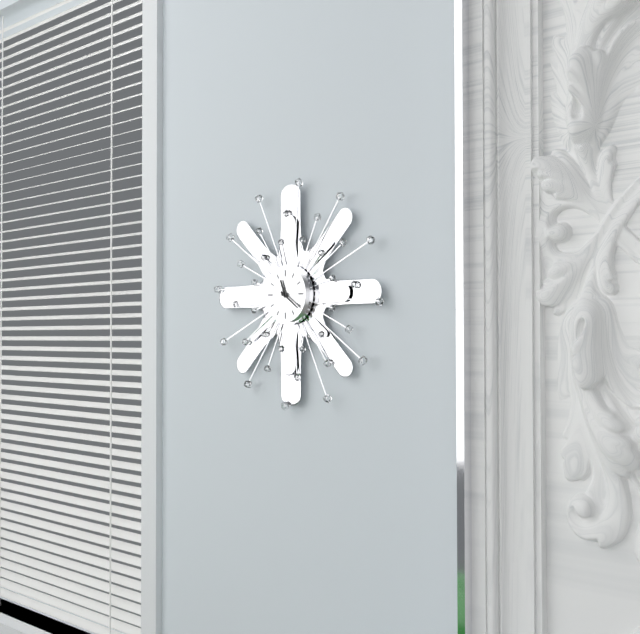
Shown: h=11 m=21
